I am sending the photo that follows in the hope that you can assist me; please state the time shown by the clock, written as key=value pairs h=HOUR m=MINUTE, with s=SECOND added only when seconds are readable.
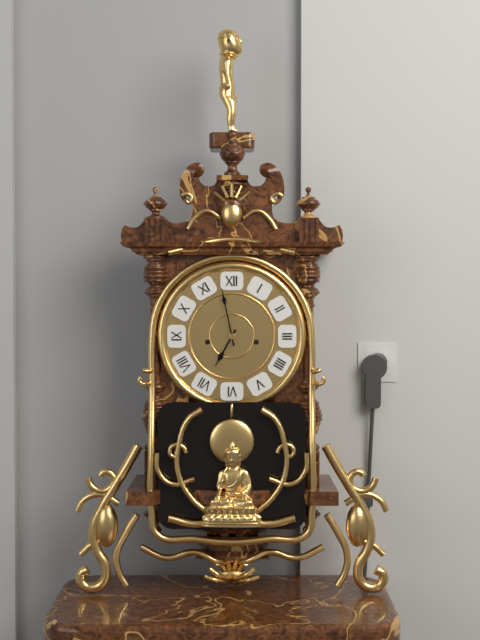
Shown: h=6 m=58
